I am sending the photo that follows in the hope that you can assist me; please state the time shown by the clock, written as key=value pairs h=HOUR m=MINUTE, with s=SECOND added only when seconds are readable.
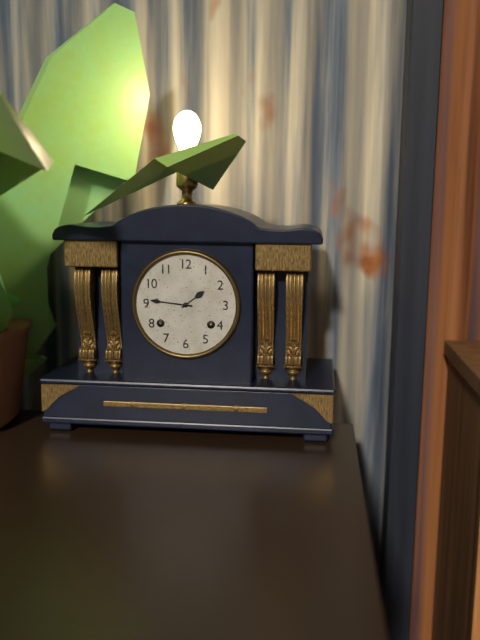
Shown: h=1 m=46
